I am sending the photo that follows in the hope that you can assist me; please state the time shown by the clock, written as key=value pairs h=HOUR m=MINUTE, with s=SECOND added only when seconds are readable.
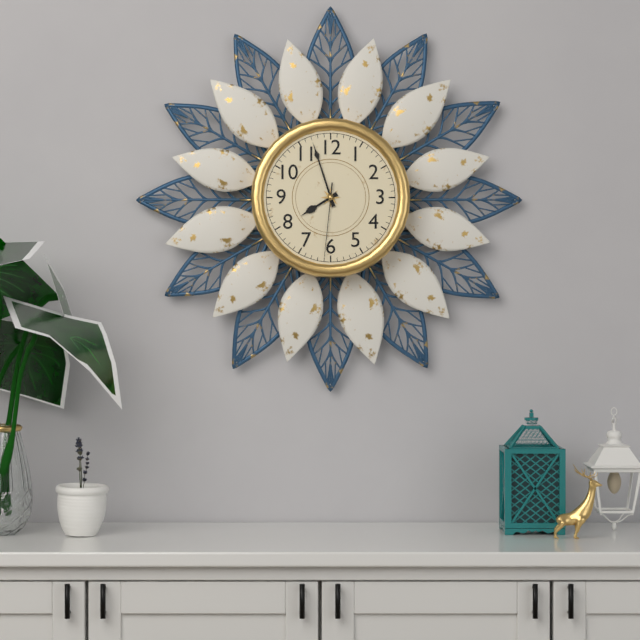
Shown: h=7 m=57 s=31
